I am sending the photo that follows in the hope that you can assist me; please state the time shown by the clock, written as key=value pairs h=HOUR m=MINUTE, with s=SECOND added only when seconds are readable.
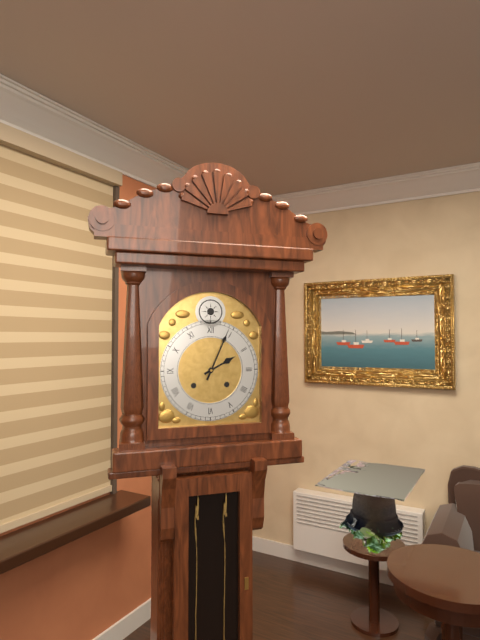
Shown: h=2 m=4
